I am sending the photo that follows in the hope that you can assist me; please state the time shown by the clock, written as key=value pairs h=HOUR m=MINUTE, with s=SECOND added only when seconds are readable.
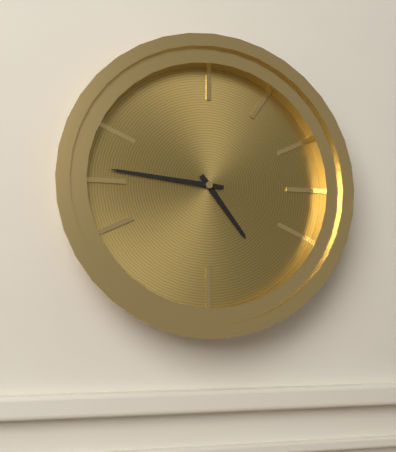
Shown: h=4 m=46
